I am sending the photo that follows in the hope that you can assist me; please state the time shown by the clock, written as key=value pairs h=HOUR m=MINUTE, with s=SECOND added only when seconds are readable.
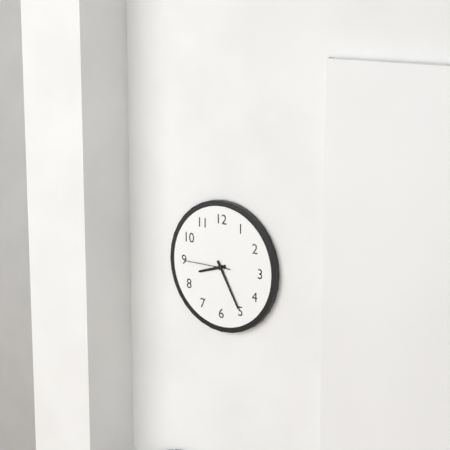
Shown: h=8 m=25 s=45
